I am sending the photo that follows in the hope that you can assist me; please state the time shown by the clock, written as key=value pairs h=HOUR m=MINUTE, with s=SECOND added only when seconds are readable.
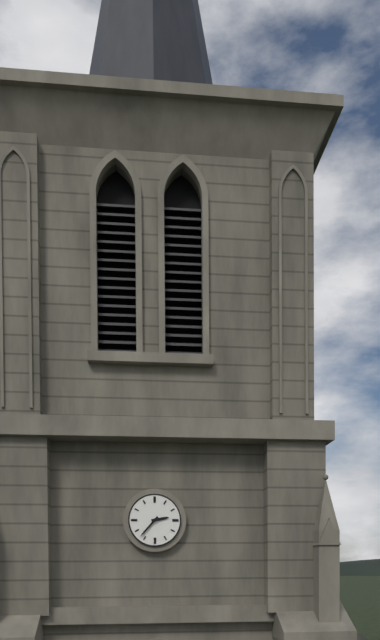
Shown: h=2 m=37
